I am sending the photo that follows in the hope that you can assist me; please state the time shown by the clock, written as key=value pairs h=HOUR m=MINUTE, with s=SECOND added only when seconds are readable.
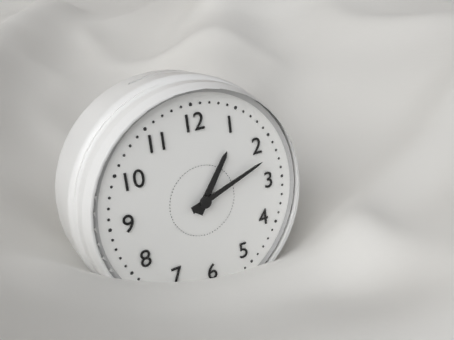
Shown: h=1 m=12
